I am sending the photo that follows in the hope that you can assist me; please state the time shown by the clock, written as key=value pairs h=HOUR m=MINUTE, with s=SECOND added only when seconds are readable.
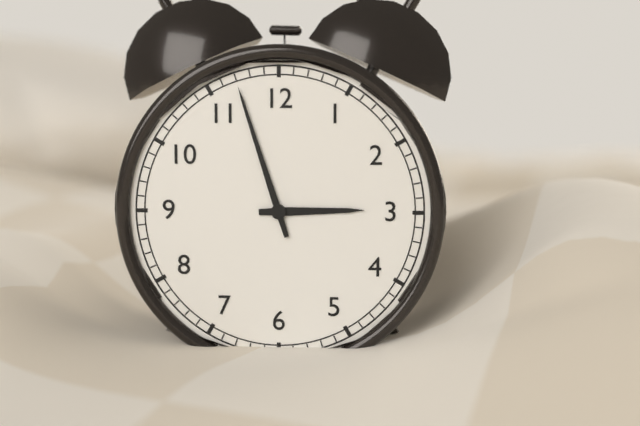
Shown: h=2 m=57
